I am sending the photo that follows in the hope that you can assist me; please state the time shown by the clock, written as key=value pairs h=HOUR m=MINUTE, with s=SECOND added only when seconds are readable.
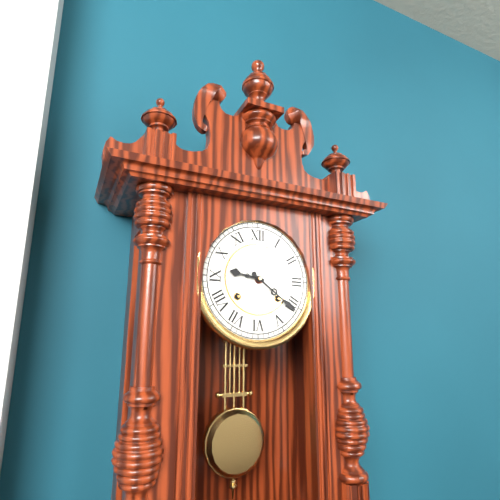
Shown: h=9 m=21
